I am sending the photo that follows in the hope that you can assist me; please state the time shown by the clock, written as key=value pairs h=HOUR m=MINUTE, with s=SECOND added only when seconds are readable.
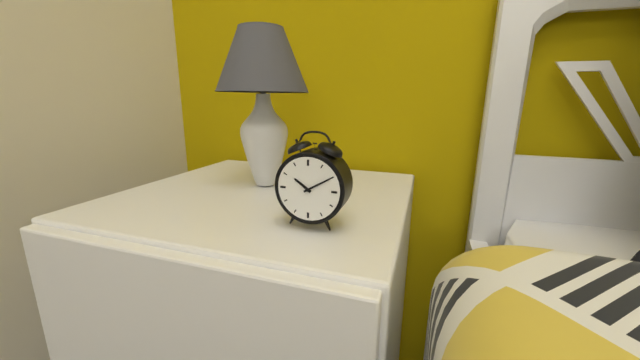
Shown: h=10 m=10
